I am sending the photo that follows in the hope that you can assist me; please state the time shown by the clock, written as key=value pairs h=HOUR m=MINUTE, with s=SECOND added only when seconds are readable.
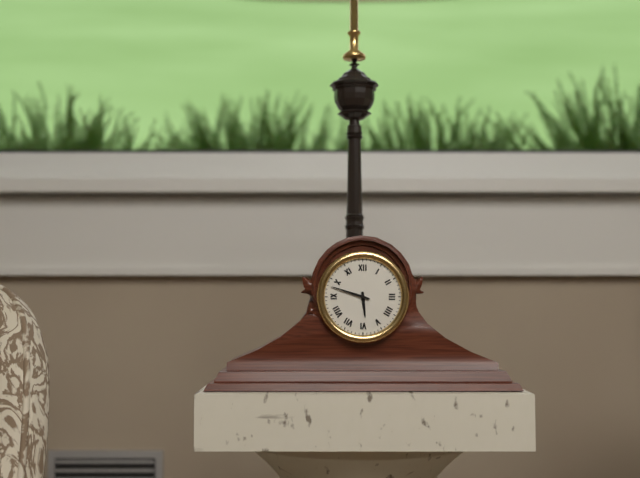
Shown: h=5 m=48
